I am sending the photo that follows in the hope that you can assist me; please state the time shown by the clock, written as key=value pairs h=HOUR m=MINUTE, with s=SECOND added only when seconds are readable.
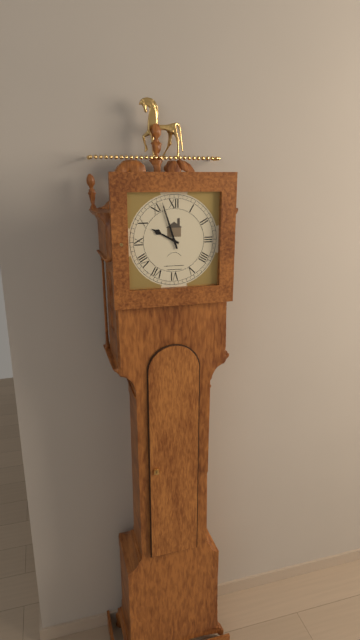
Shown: h=9 m=57
